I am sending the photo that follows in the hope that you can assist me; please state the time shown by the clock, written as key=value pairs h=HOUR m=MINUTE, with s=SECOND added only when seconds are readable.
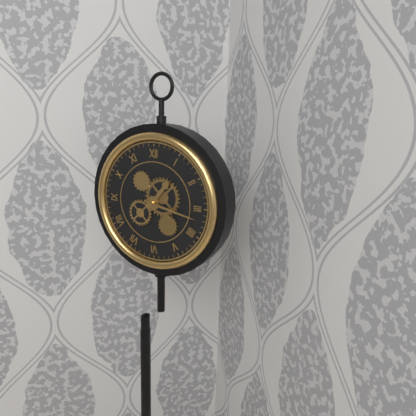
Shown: h=1 m=17
